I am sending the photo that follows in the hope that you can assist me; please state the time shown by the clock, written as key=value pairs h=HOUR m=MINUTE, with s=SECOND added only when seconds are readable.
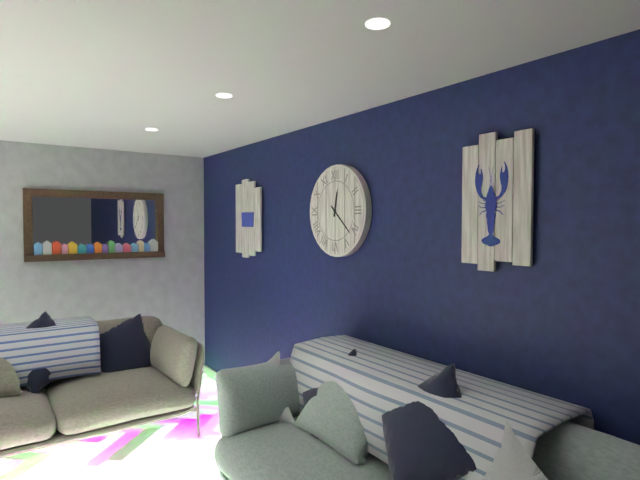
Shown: h=12 m=22
